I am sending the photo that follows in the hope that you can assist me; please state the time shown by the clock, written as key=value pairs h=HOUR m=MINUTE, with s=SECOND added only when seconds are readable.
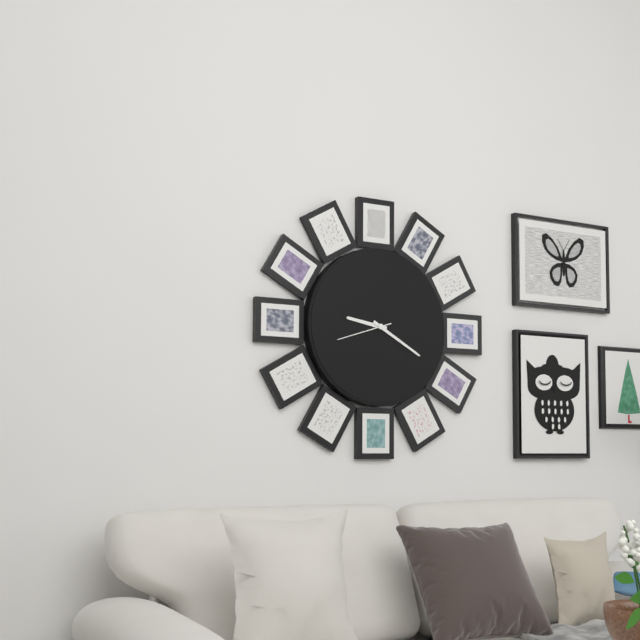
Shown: h=9 m=20
